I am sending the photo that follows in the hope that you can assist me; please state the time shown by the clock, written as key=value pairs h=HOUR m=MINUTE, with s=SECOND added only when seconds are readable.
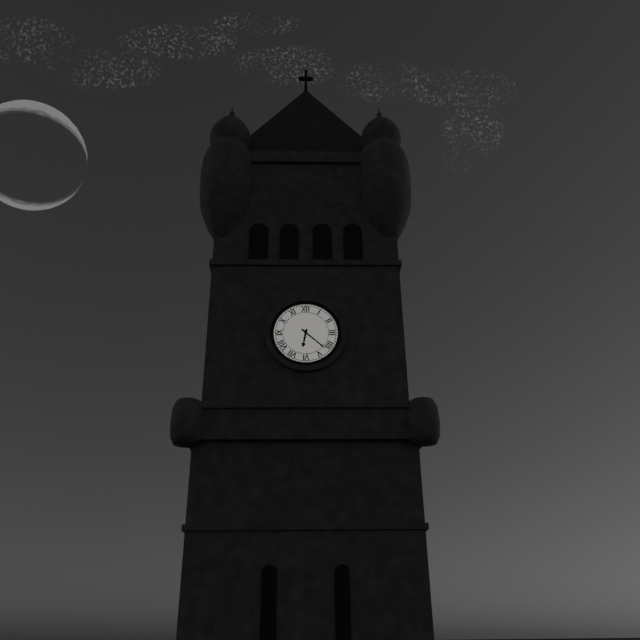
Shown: h=6 m=22
